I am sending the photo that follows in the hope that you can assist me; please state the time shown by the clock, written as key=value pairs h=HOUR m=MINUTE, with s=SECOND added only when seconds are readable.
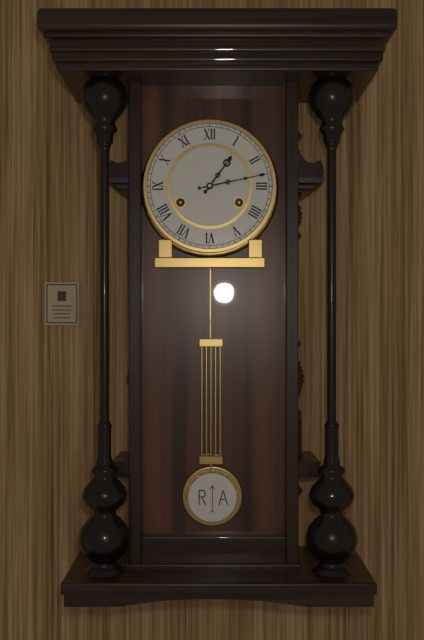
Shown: h=1 m=13
